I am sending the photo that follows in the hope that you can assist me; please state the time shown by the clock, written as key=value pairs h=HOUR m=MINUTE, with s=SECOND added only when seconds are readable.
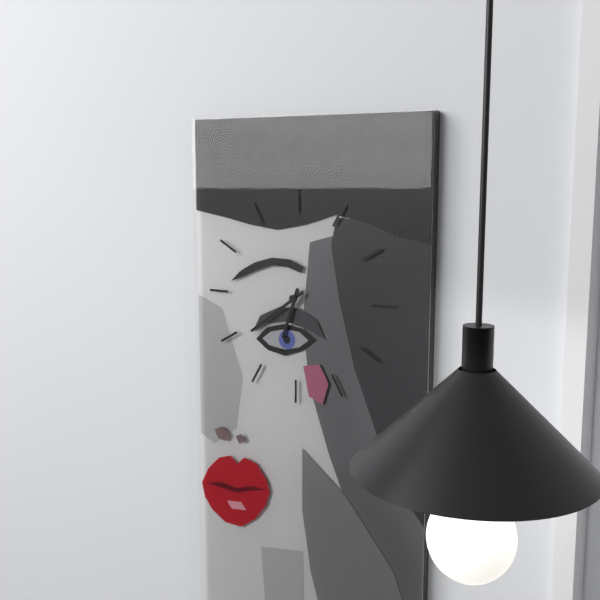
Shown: h=6 m=39
